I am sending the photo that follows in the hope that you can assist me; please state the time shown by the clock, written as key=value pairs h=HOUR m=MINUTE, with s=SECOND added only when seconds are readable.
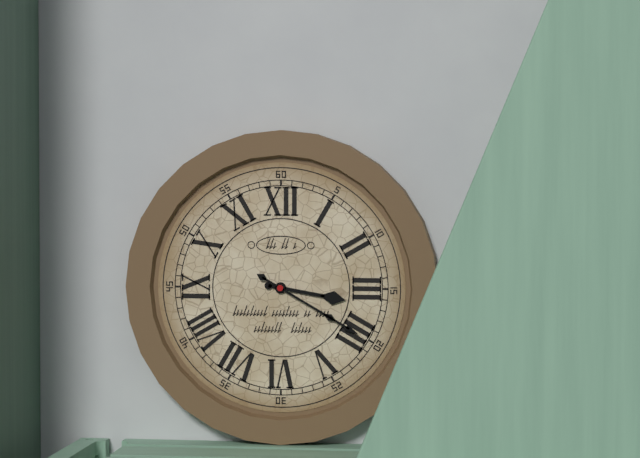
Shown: h=3 m=20
